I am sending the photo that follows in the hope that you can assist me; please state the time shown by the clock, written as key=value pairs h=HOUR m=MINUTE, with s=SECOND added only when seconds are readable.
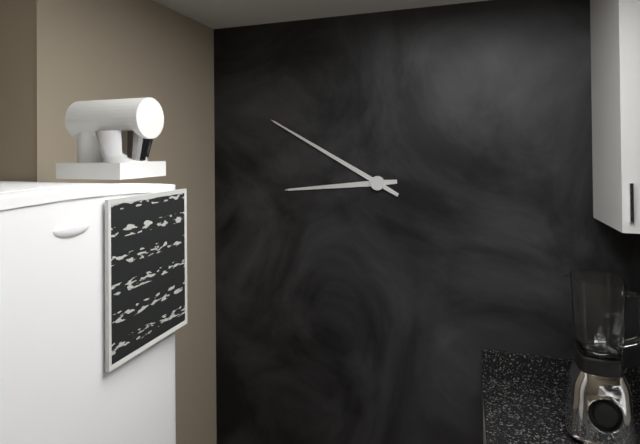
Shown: h=8 m=50
